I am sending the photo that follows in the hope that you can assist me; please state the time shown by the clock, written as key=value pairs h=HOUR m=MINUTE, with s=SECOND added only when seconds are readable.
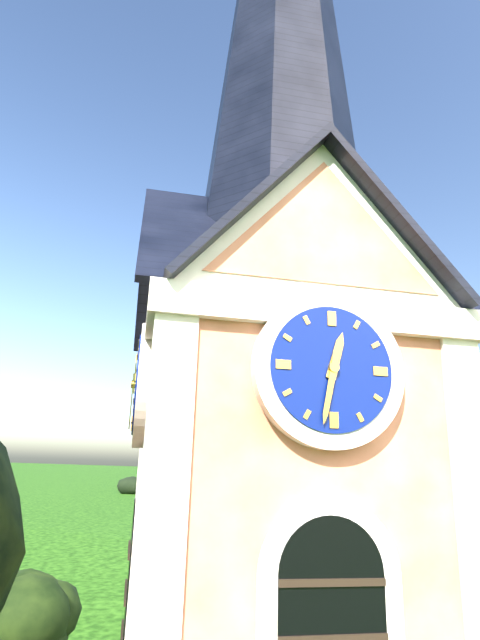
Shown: h=12 m=32
